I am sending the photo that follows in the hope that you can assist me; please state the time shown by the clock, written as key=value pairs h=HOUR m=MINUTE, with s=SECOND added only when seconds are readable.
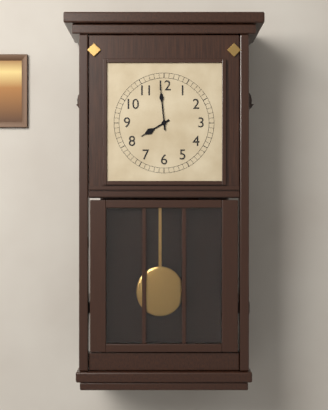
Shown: h=7 m=59
